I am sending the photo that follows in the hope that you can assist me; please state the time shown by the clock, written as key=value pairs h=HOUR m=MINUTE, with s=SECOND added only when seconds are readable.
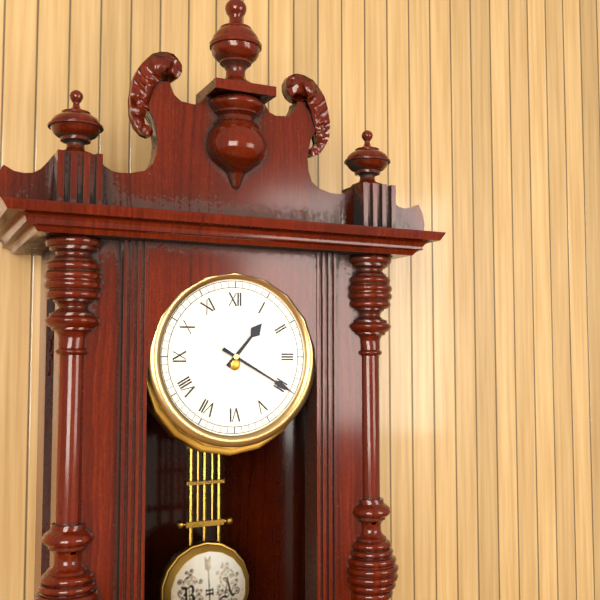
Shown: h=1 m=20
